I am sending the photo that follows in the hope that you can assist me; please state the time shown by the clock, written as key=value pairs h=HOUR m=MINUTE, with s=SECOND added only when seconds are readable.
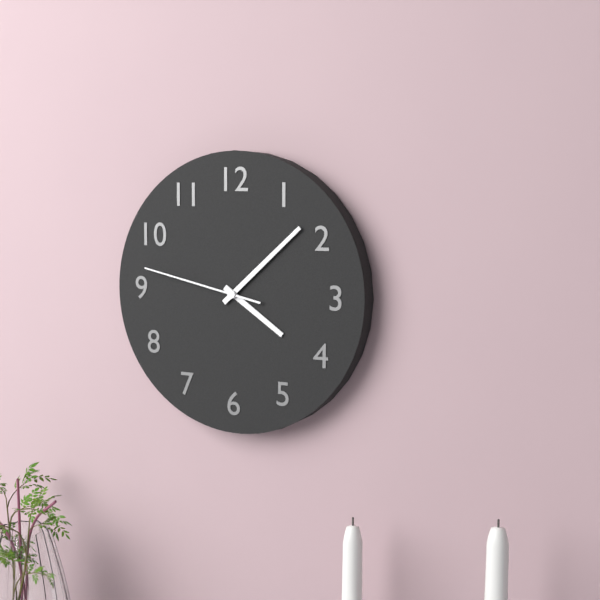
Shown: h=4 m=8 s=47
